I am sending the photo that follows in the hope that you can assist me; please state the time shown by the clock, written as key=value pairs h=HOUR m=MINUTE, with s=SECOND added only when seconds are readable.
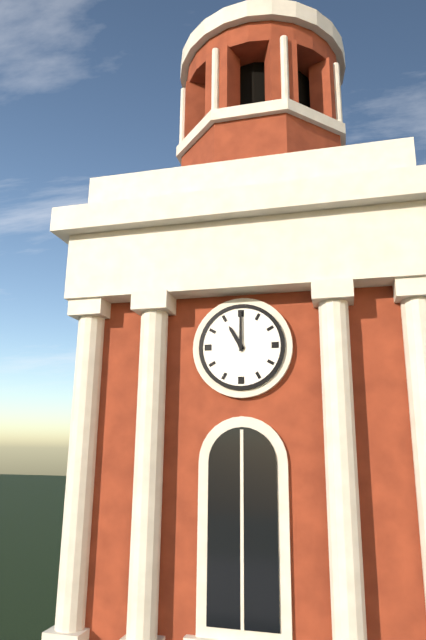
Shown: h=11 m=0
